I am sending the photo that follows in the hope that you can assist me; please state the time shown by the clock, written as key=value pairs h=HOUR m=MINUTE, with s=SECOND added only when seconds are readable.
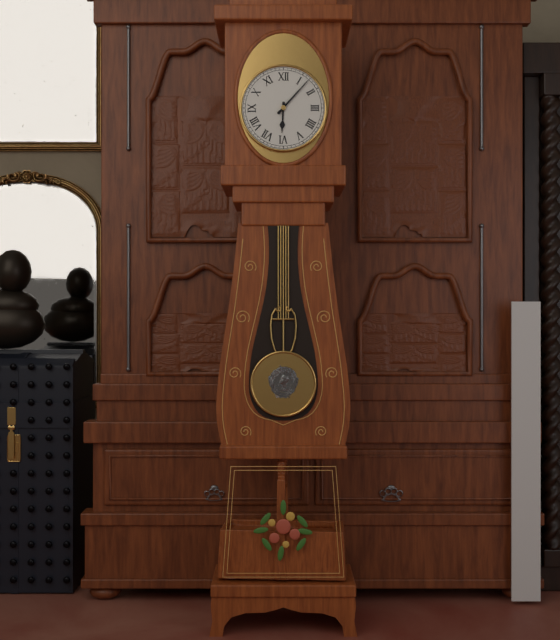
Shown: h=6 m=7
